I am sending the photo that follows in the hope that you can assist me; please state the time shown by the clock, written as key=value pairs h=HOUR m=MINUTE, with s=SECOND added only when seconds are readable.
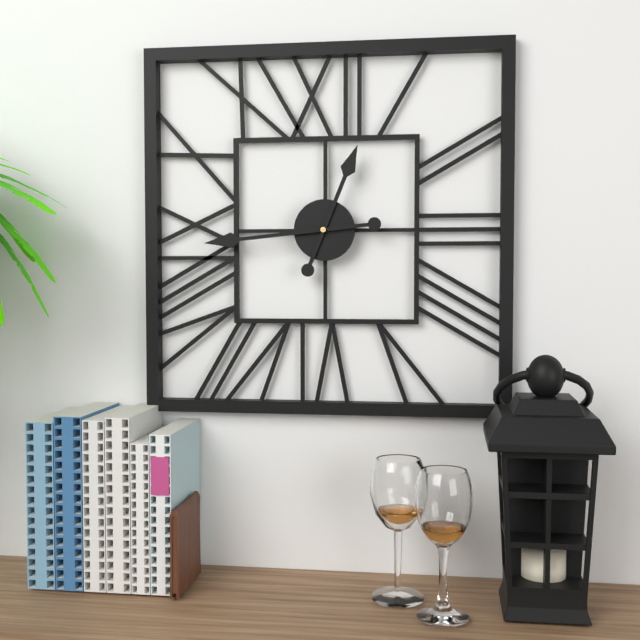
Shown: h=12 m=44
